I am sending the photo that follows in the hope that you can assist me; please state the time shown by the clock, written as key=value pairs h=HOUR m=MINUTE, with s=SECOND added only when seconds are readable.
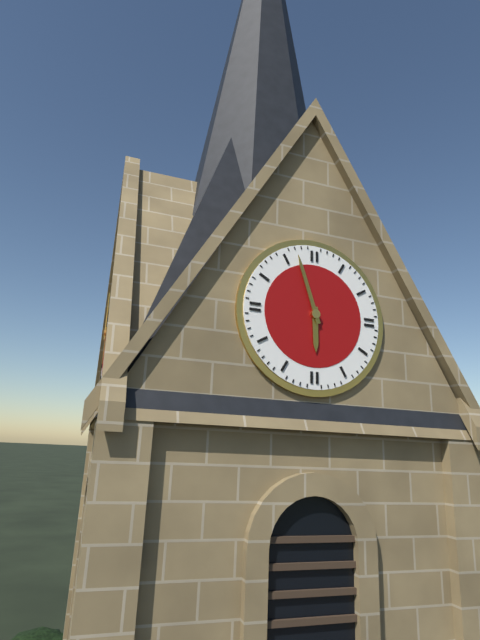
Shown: h=5 m=57
